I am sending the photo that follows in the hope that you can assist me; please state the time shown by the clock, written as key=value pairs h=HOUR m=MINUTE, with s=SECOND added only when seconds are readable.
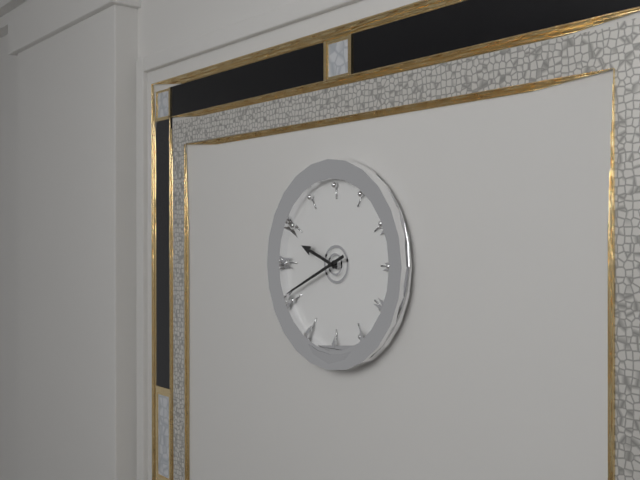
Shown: h=9 m=41
